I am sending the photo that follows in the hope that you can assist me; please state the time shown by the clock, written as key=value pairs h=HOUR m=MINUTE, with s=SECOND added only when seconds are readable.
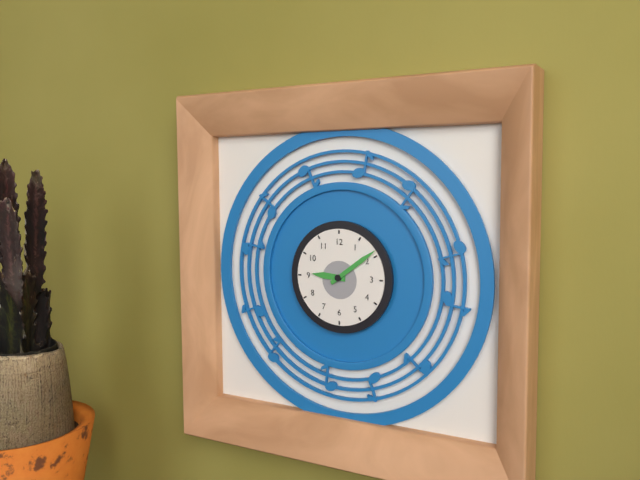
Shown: h=9 m=9
